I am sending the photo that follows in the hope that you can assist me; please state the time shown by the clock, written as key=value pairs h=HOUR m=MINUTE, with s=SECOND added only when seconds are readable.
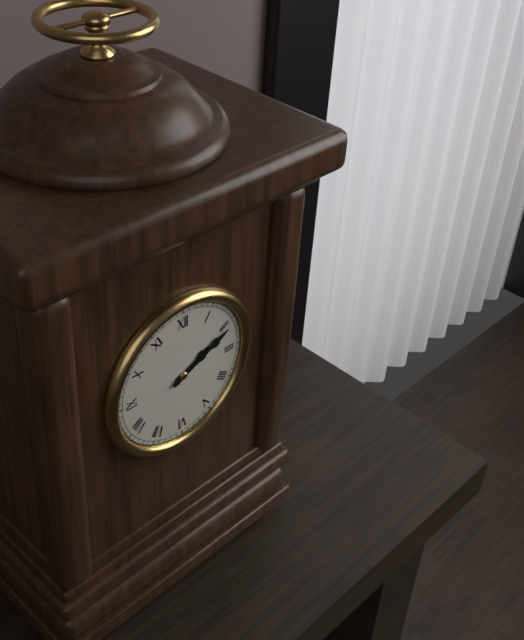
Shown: h=2 m=11
